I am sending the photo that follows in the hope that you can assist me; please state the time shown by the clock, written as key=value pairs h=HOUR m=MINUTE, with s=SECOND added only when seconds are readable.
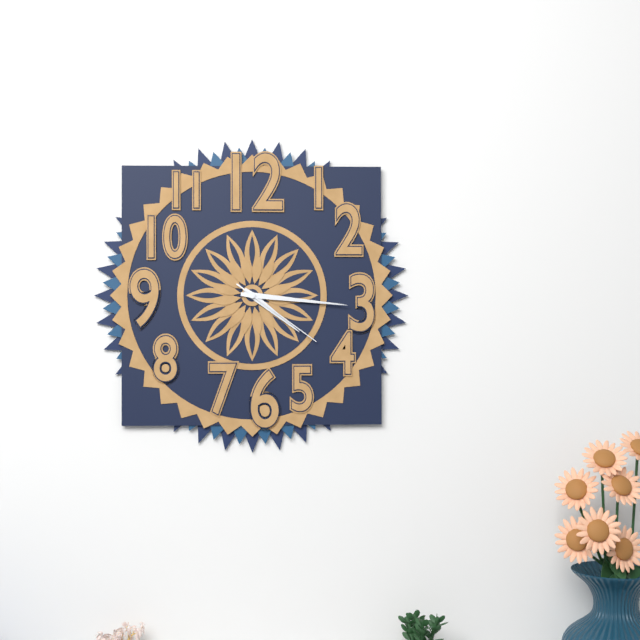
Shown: h=4 m=16 s=21
